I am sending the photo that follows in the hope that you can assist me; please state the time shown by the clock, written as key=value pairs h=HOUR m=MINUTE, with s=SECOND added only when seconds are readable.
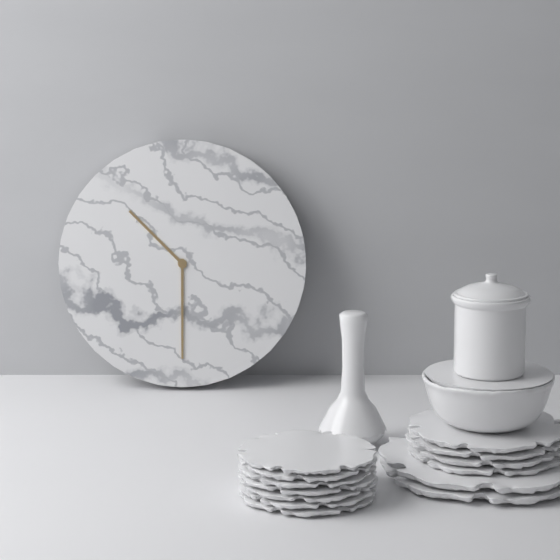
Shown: h=10 m=30
